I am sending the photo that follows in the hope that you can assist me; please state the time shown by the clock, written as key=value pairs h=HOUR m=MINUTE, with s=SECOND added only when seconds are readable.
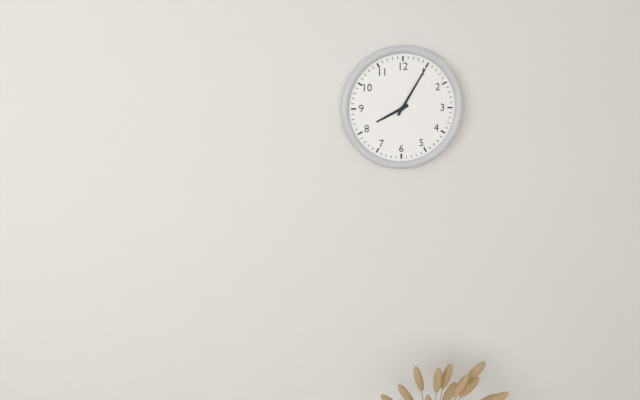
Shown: h=8 m=5
